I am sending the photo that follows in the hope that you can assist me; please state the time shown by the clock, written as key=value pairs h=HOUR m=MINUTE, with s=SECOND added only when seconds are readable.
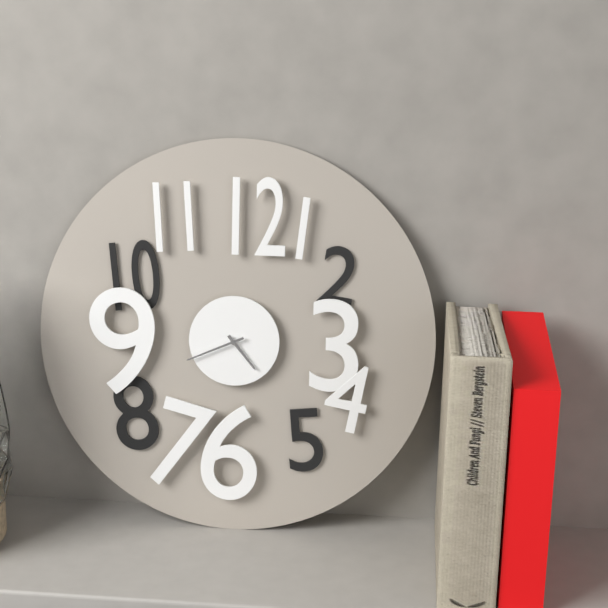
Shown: h=4 m=41
